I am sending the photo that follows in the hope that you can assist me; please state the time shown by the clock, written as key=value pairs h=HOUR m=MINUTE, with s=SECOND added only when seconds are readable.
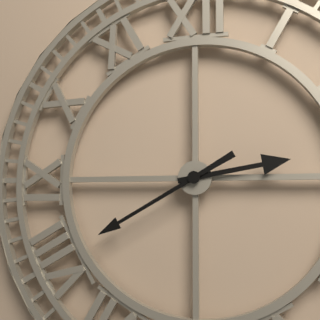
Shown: h=2 m=40
